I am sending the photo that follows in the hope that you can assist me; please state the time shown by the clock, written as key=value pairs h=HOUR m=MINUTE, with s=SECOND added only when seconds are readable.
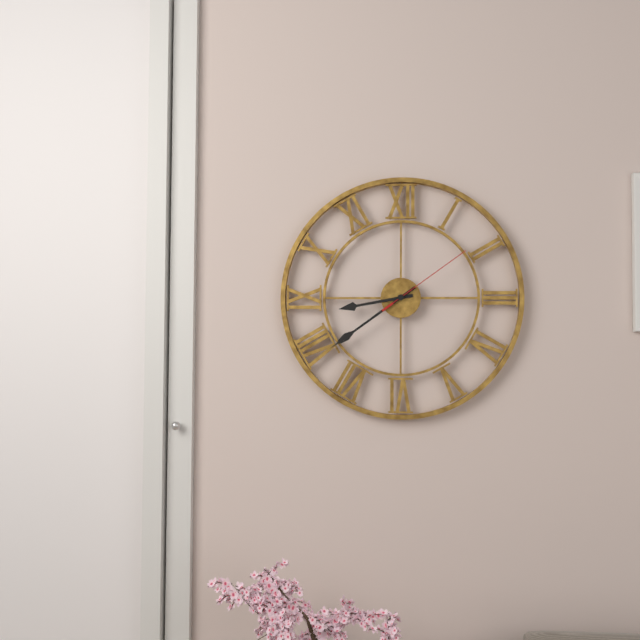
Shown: h=8 m=39 s=9
